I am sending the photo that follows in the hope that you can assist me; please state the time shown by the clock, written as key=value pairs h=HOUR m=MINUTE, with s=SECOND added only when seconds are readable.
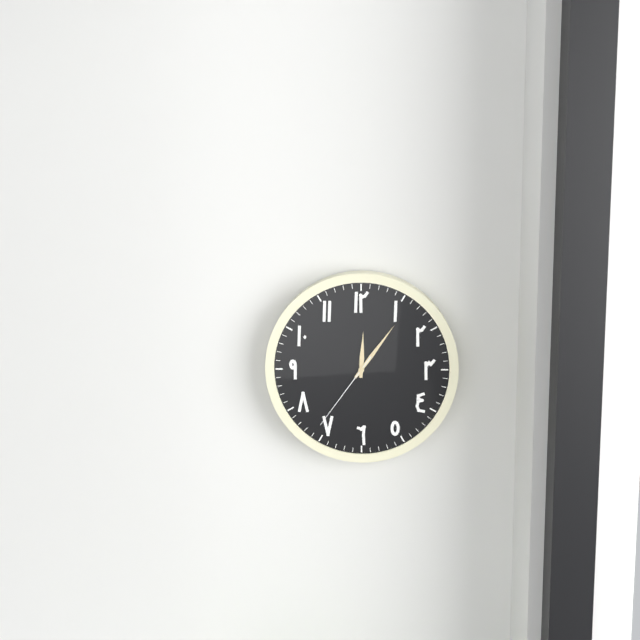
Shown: h=12 m=6 s=36
